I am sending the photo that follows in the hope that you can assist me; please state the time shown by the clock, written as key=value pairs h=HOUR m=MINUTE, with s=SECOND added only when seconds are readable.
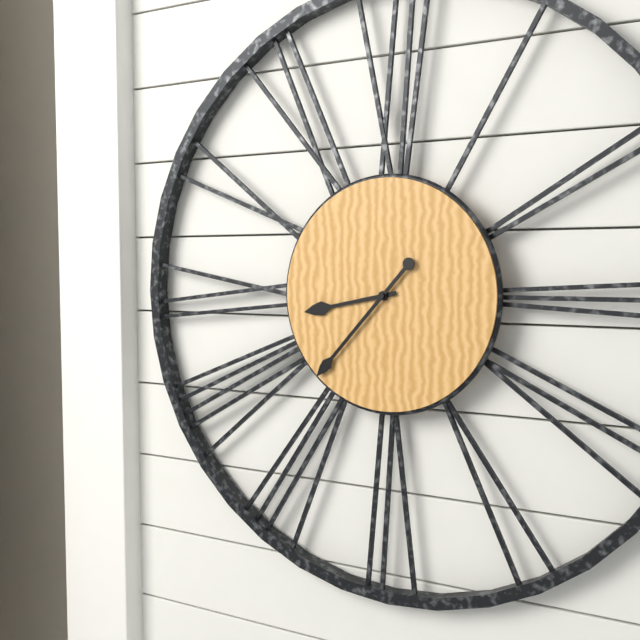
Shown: h=8 m=37
